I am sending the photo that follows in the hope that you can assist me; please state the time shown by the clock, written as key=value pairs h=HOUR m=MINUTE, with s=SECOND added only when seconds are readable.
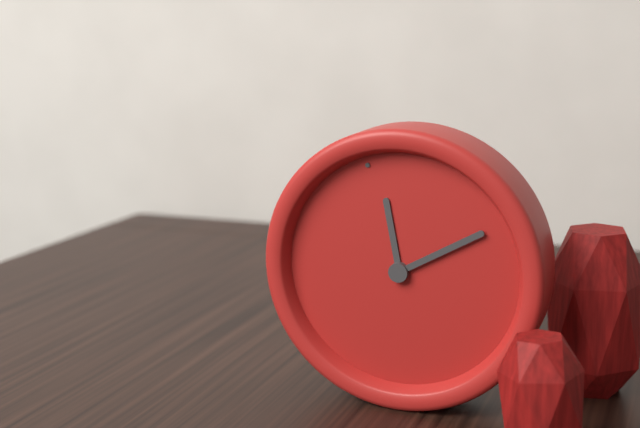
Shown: h=12 m=13
